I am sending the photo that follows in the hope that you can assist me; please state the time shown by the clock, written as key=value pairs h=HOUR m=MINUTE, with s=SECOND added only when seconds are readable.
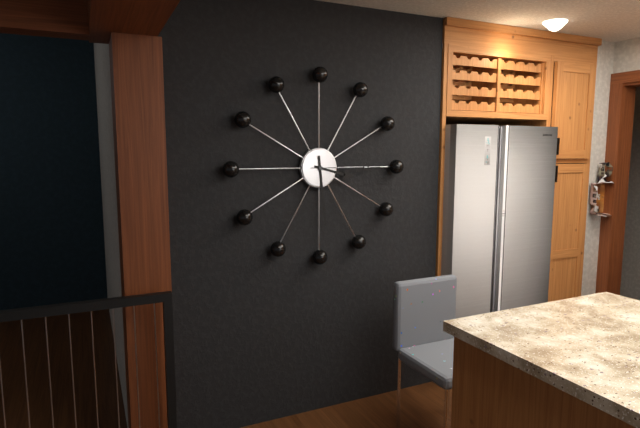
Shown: h=3 m=29 s=15
